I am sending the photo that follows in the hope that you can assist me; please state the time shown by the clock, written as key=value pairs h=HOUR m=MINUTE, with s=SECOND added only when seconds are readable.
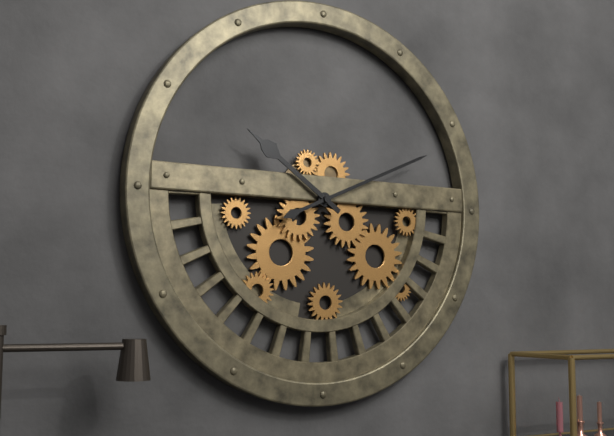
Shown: h=10 m=11
